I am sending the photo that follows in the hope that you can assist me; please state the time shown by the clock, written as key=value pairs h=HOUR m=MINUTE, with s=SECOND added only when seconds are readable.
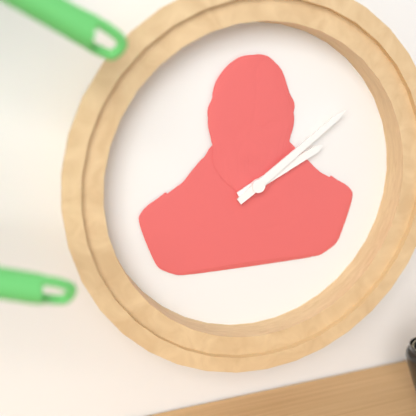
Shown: h=2 m=9
